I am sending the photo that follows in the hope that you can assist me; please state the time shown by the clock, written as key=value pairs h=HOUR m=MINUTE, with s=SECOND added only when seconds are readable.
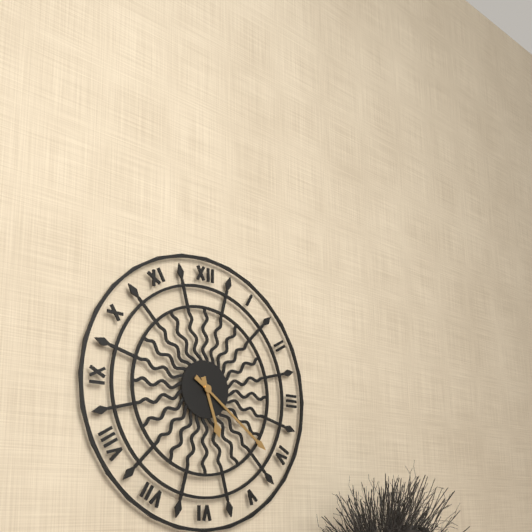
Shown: h=5 m=21
